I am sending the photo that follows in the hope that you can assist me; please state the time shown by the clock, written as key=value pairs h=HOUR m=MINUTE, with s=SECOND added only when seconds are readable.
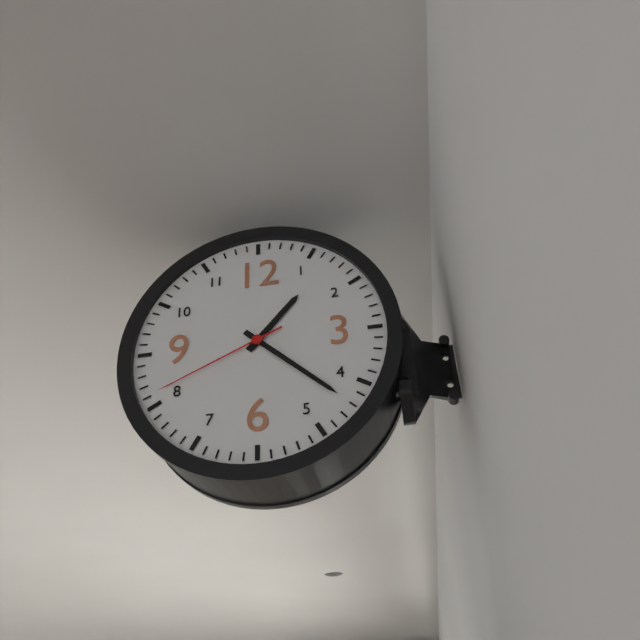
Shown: h=1 m=22 s=41
